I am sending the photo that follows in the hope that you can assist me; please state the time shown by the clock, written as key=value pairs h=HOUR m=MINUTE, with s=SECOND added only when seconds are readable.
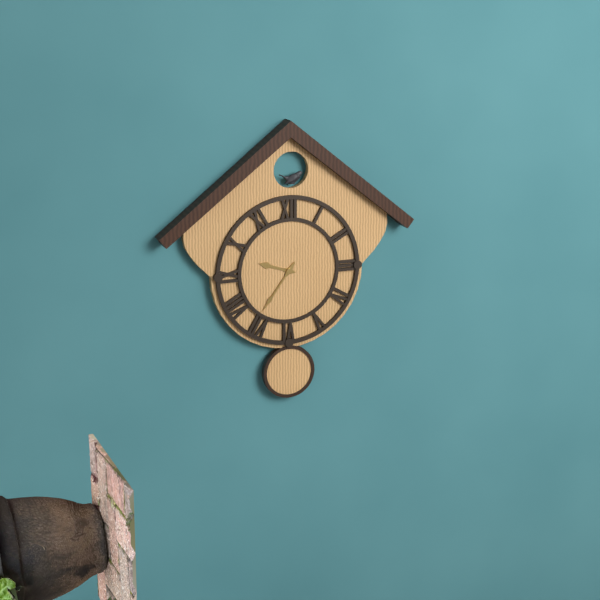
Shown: h=9 m=36
